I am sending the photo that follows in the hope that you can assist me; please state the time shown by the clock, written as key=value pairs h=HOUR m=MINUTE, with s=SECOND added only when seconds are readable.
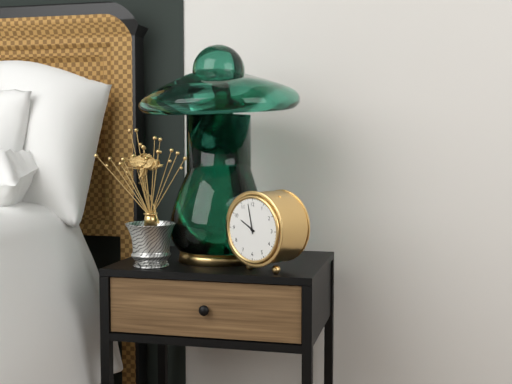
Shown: h=9 m=58
